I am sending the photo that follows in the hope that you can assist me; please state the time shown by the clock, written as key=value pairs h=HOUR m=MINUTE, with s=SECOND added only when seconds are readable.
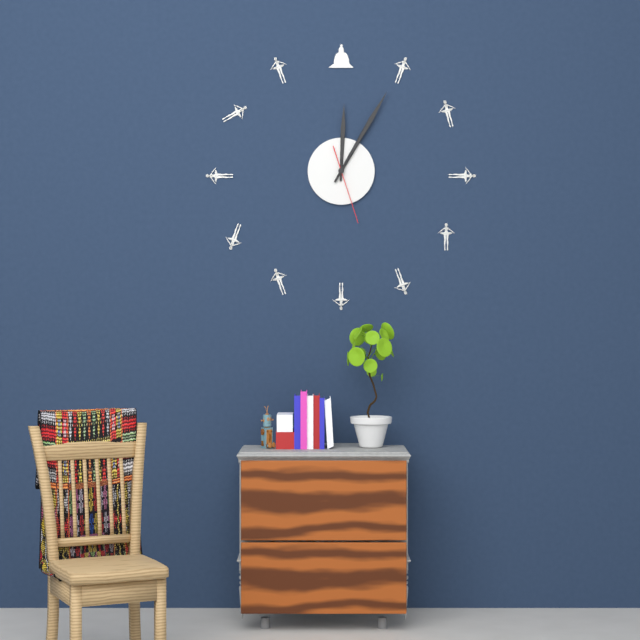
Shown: h=12 m=5 s=27
